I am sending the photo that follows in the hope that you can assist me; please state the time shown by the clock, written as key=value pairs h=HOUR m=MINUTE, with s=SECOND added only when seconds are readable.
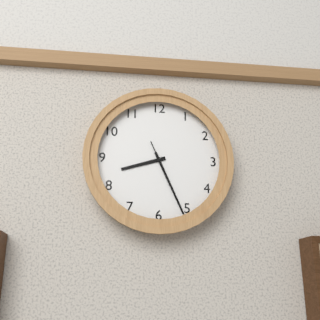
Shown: h=8 m=26 s=26
